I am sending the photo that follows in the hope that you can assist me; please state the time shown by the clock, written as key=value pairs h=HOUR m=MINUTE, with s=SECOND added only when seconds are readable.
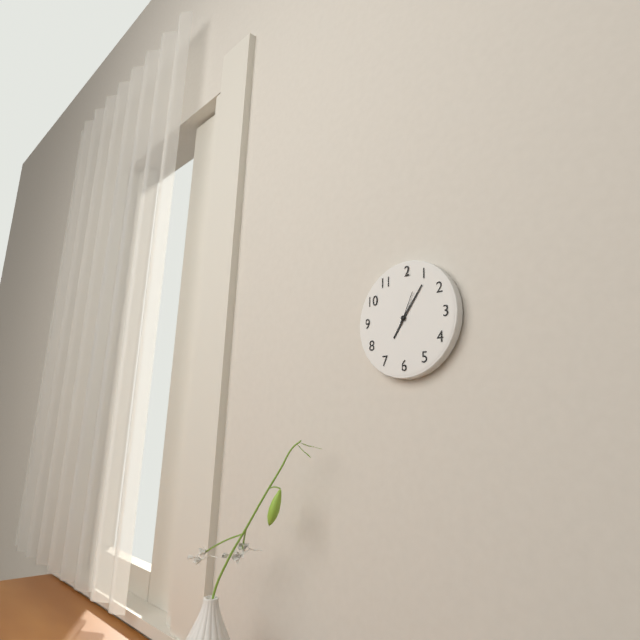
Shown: h=7 m=6
